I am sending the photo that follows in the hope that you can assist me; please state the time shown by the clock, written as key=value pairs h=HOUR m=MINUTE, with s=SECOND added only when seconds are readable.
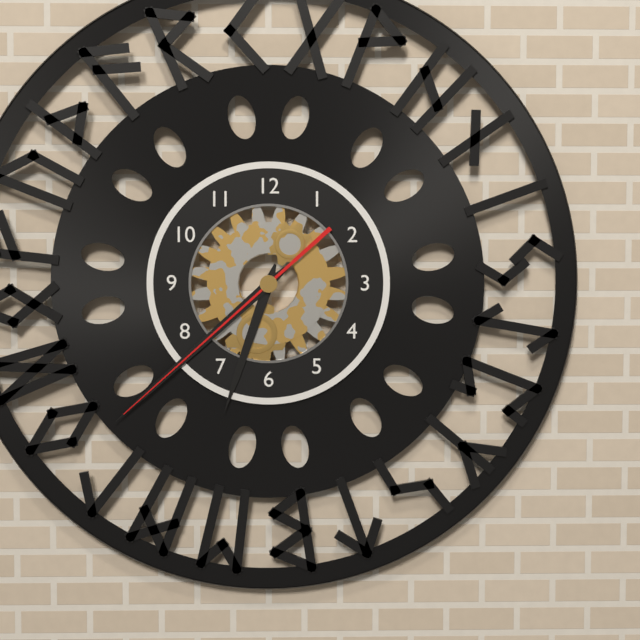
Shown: h=6 m=38 s=38
